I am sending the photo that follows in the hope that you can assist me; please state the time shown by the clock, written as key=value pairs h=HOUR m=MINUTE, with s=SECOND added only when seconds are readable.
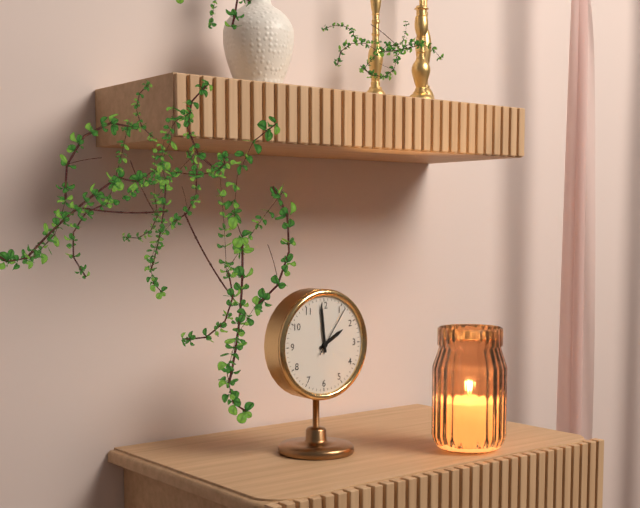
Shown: h=1 m=59 s=6
